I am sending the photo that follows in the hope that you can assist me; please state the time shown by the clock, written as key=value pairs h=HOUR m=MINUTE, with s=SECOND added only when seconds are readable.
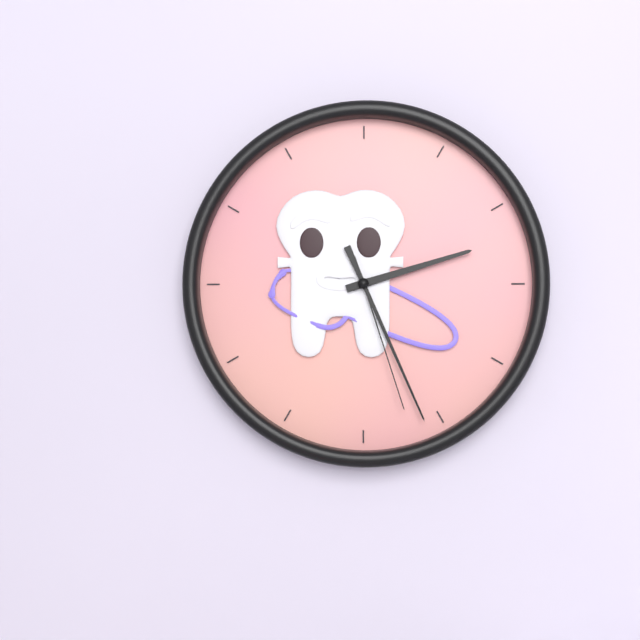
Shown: h=2 m=26 s=27
